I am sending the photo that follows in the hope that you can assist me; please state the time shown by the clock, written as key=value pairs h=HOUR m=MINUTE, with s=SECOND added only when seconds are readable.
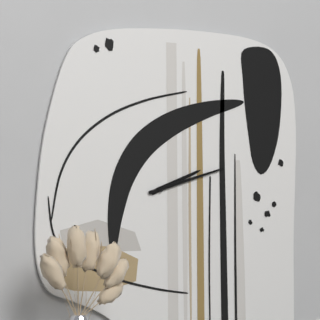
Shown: h=2 m=12
